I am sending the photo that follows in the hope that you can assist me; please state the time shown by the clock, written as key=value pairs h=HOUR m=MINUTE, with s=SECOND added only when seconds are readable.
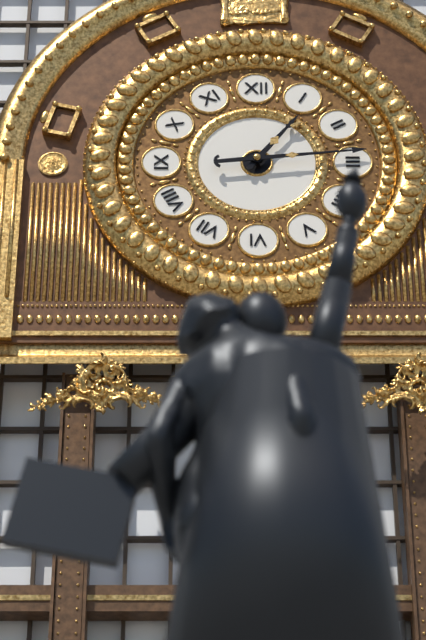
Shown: h=1 m=14
